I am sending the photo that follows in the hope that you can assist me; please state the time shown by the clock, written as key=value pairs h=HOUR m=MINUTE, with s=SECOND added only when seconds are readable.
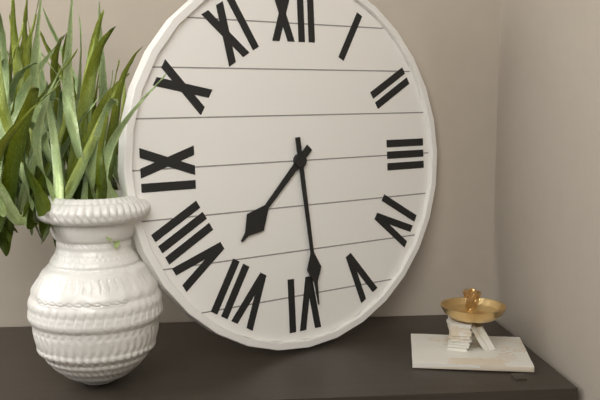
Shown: h=7 m=29
